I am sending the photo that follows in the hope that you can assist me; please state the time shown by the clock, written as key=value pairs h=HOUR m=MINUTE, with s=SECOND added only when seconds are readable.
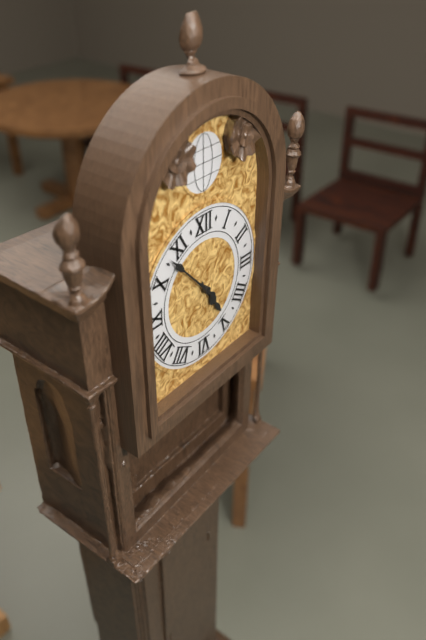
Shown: h=4 m=53
